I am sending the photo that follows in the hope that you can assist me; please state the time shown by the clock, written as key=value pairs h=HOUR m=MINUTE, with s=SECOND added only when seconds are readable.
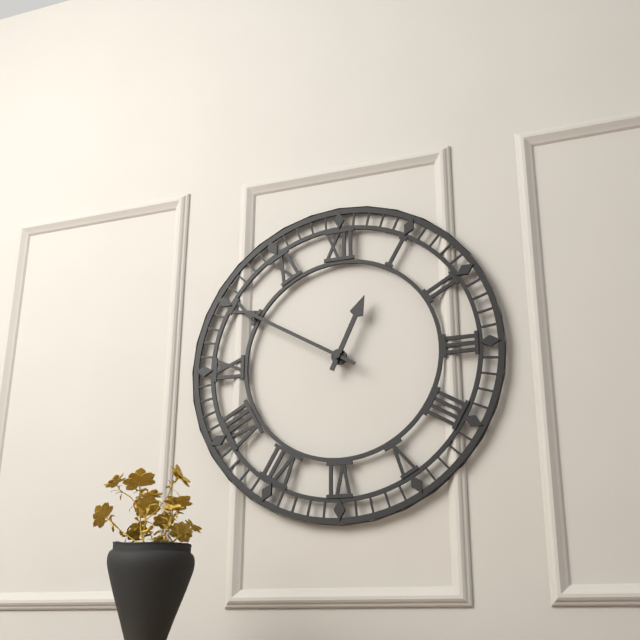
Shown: h=12 m=50
